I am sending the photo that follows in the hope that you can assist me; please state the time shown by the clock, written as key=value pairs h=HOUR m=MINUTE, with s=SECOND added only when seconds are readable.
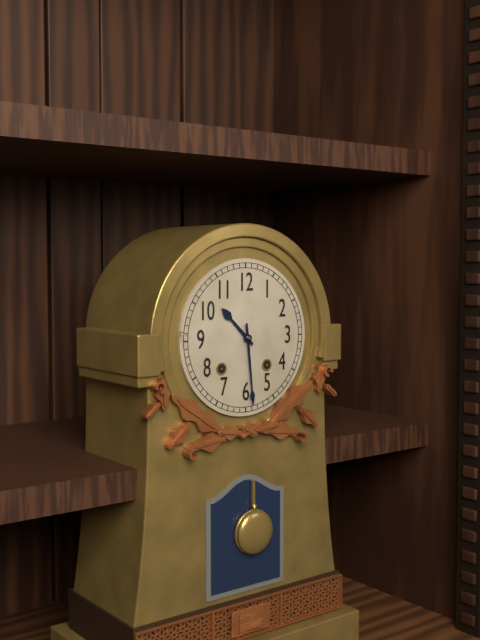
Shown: h=10 m=29
